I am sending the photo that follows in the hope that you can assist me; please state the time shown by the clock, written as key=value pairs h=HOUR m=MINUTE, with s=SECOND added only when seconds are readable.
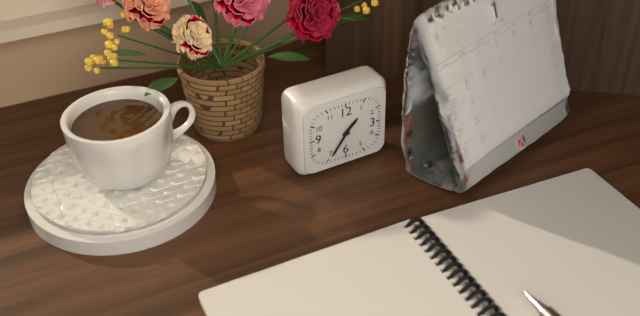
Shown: h=1 m=36
